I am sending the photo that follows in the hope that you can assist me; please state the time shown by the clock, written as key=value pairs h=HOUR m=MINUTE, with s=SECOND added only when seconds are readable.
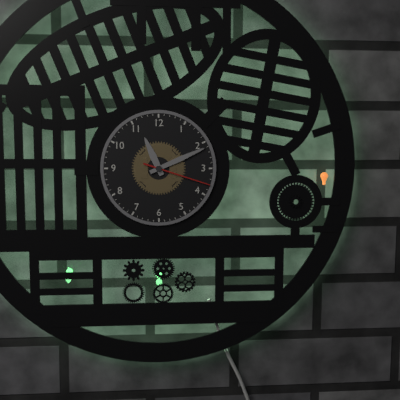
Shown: h=11 m=11 s=18
